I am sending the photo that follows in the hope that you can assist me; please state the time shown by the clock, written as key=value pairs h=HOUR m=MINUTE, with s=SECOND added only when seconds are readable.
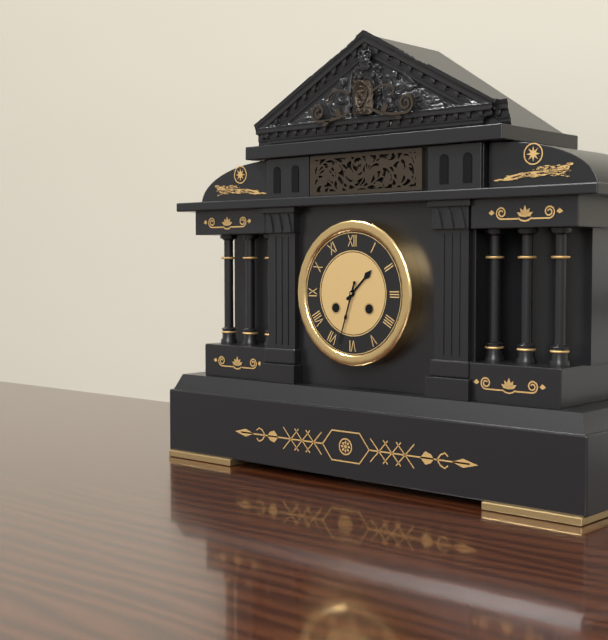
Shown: h=1 m=33
